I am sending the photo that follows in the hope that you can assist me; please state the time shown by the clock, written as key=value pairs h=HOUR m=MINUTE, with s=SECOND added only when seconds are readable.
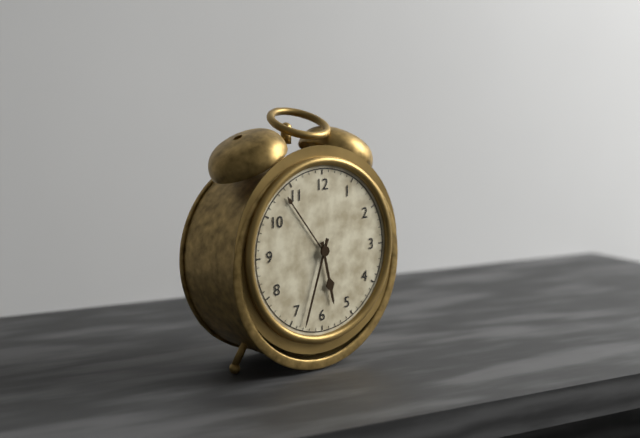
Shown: h=5 m=33
